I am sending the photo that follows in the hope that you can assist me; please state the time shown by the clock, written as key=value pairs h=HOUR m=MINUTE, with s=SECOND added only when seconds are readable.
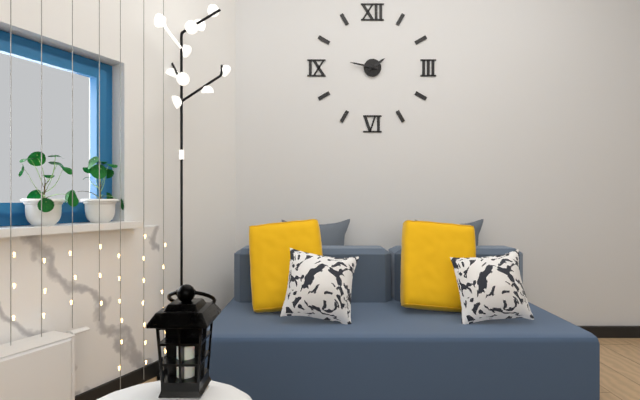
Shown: h=1 m=47
